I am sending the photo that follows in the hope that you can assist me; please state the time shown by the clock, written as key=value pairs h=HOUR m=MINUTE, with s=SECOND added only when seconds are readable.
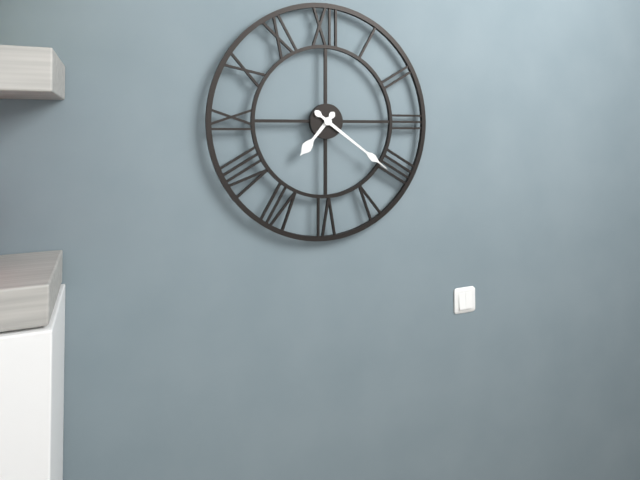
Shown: h=7 m=21
